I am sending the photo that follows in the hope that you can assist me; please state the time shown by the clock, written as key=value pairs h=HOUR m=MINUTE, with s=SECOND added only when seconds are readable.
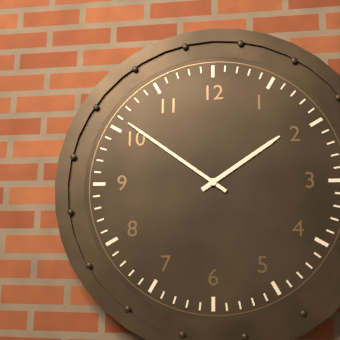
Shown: h=1 m=51
